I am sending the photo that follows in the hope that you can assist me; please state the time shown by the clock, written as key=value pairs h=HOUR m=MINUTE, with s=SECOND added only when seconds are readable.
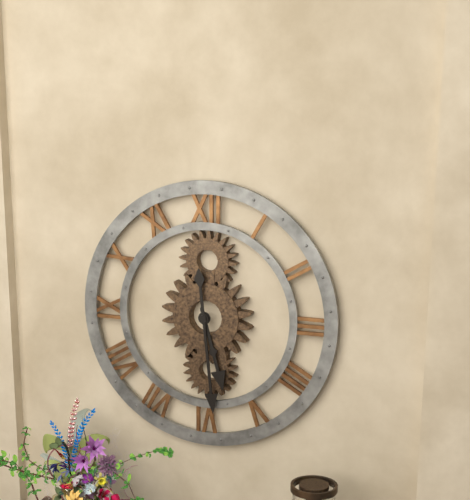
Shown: h=5 m=29
